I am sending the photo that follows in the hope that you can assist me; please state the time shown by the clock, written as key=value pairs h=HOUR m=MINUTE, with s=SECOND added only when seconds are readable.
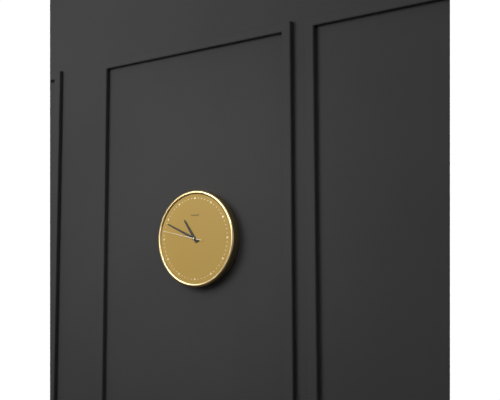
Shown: h=10 m=49
